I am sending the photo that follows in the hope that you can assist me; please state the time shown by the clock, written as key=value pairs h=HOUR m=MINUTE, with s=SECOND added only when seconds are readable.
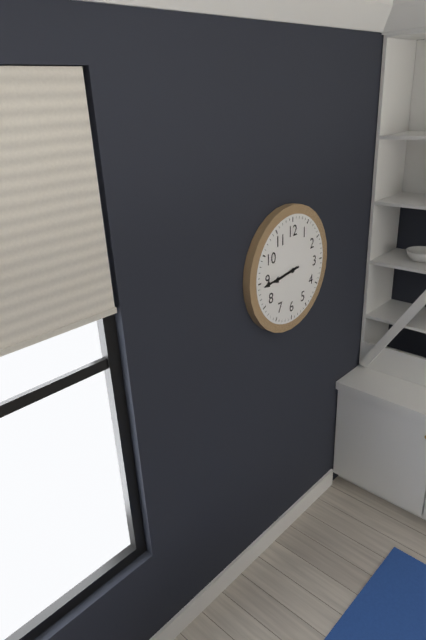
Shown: h=8 m=44
